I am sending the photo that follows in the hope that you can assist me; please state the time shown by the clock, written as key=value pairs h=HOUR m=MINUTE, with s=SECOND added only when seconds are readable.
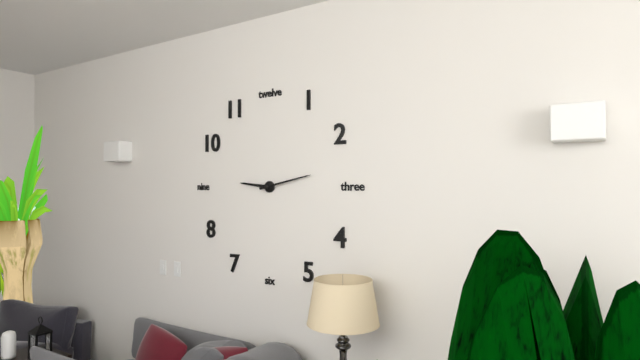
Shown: h=9 m=13
